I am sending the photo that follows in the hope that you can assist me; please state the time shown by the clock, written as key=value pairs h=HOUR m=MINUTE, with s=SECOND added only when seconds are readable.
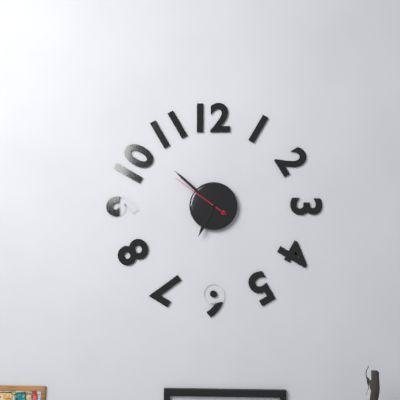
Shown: h=6 m=52 s=51
